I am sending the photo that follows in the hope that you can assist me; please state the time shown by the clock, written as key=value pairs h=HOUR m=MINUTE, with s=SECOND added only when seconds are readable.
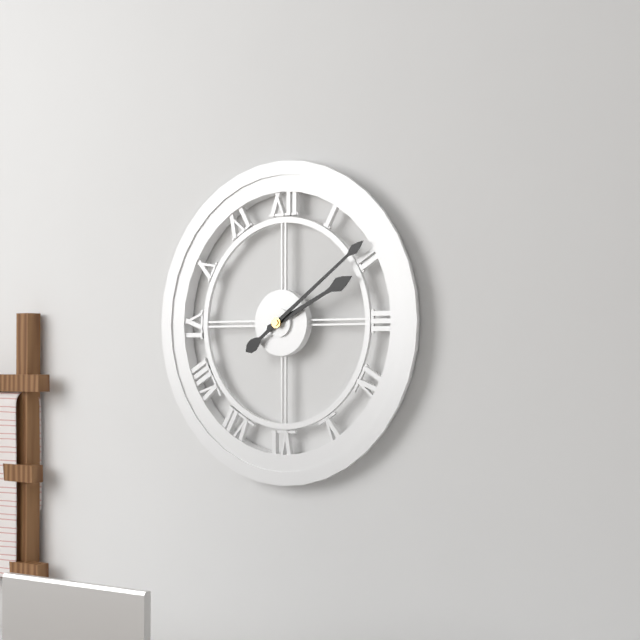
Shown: h=2 m=9
